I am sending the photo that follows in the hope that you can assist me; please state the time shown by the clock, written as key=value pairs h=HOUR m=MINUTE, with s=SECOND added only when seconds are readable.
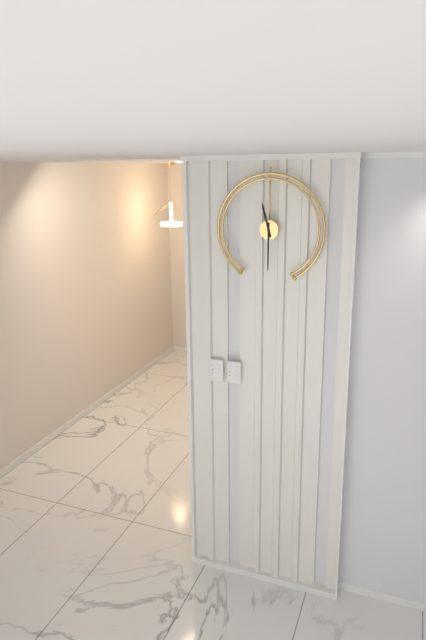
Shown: h=11 m=30
